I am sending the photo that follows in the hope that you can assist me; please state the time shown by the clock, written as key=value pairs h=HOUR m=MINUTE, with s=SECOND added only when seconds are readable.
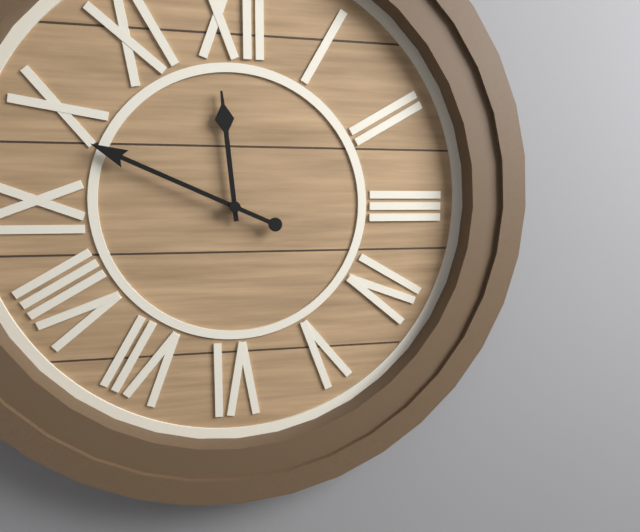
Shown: h=11 m=49
